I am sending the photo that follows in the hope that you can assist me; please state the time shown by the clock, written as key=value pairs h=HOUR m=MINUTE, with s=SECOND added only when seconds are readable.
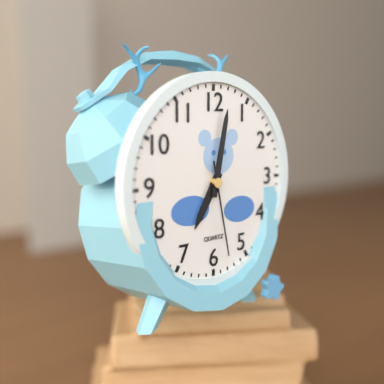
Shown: h=7 m=2 s=28
